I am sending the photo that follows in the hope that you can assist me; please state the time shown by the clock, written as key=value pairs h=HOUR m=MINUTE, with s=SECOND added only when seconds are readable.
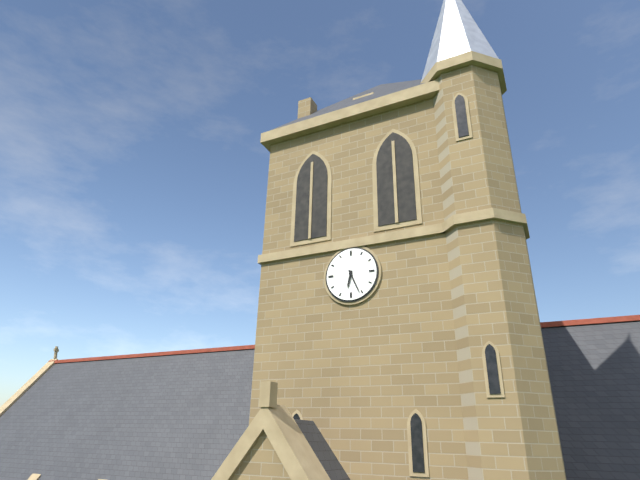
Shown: h=6 m=26
